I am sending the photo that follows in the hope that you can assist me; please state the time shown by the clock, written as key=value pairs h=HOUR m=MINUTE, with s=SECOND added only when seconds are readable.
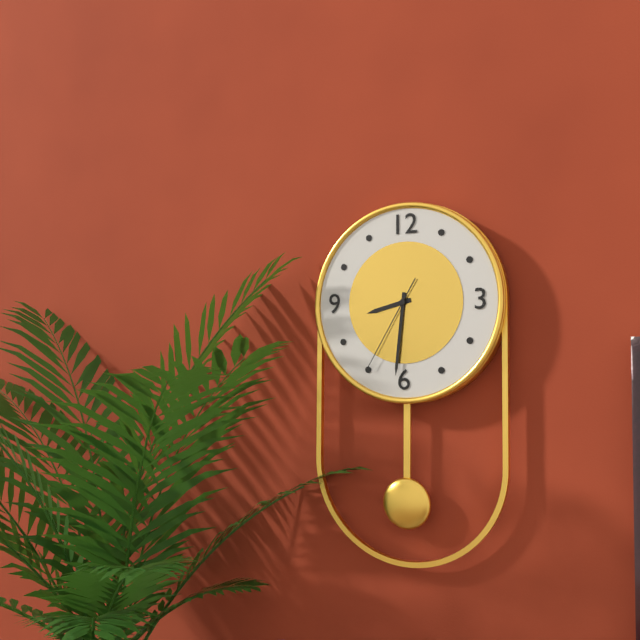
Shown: h=8 m=31 s=35
